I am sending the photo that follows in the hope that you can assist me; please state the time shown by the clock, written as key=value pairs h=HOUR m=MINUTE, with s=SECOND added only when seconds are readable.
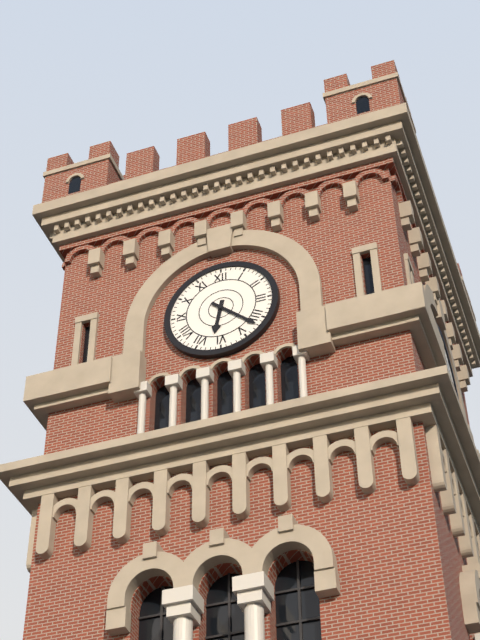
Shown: h=6 m=22
